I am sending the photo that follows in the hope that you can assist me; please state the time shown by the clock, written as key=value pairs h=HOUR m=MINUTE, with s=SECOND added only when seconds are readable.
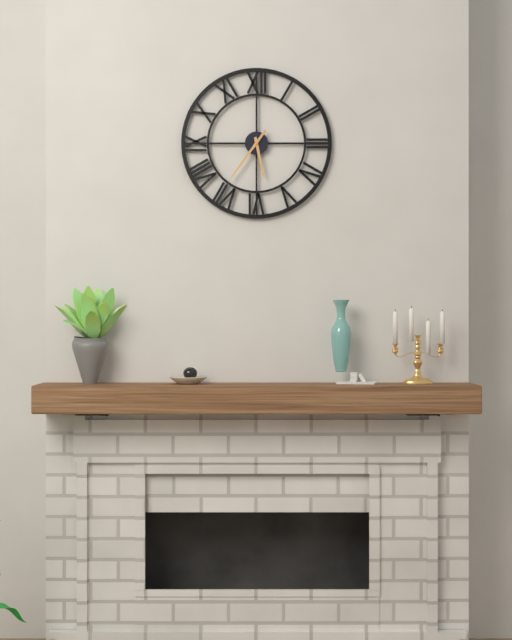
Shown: h=5 m=36
